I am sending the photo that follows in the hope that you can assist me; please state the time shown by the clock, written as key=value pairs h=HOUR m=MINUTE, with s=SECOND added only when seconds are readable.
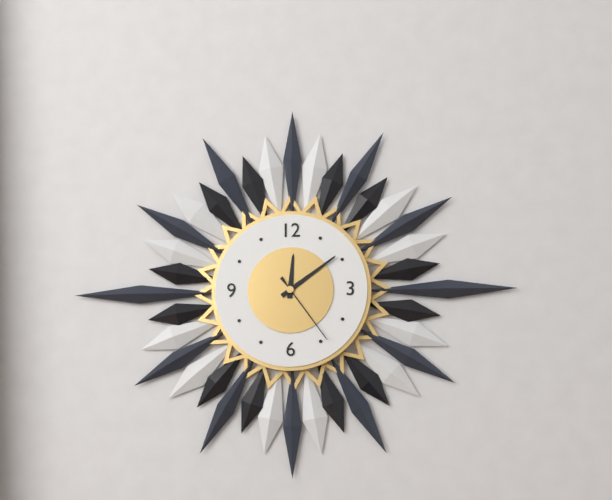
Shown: h=12 m=9 s=24
